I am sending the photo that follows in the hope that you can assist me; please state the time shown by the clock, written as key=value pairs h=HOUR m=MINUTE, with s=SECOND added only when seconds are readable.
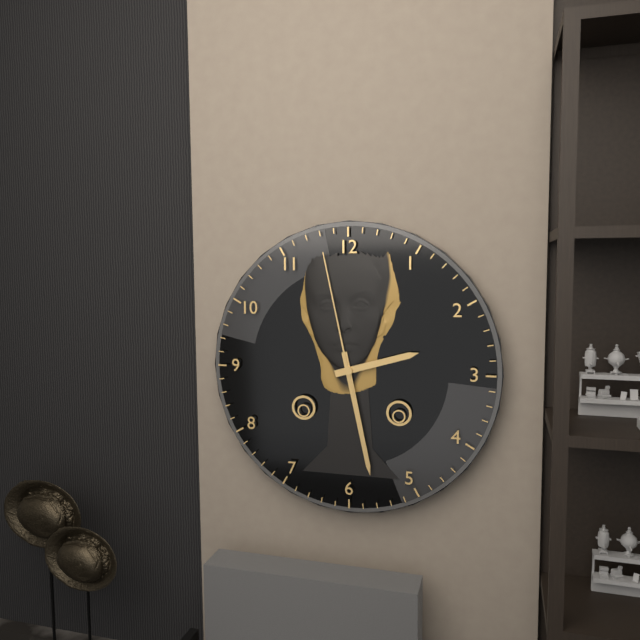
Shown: h=2 m=28 s=58
